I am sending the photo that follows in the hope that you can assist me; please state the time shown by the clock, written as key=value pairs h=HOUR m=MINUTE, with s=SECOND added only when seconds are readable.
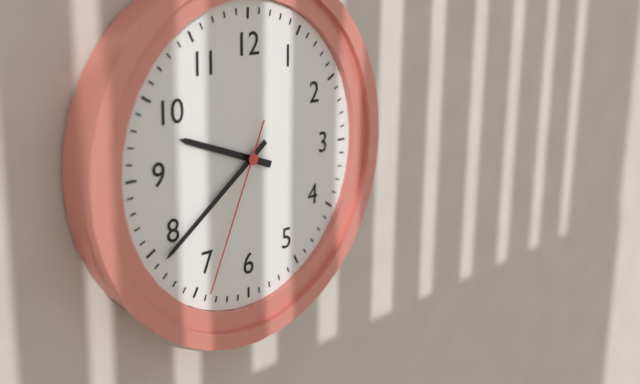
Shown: h=9 m=39 s=34
